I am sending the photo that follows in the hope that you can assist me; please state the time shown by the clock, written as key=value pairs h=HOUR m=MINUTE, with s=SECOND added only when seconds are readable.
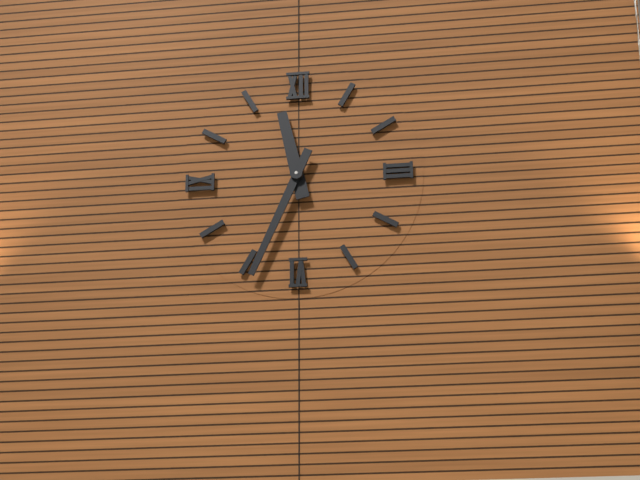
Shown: h=11 m=34
